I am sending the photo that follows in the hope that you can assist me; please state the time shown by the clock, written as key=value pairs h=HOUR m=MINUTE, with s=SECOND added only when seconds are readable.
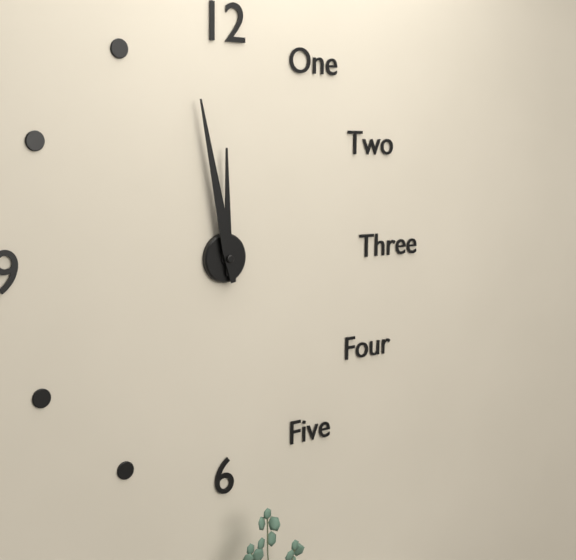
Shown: h=11 m=58
